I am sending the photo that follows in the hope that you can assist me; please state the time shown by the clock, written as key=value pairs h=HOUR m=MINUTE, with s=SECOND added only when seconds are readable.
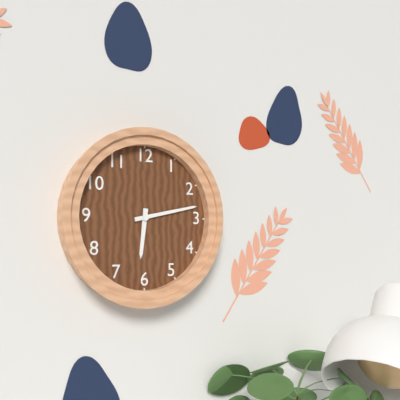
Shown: h=6 m=13
